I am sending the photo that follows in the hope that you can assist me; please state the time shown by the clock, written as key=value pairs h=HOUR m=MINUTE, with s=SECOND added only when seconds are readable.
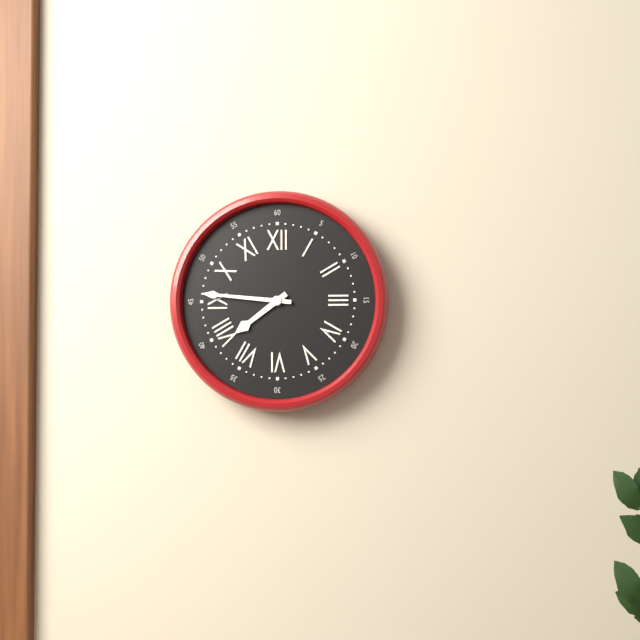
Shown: h=7 m=46
